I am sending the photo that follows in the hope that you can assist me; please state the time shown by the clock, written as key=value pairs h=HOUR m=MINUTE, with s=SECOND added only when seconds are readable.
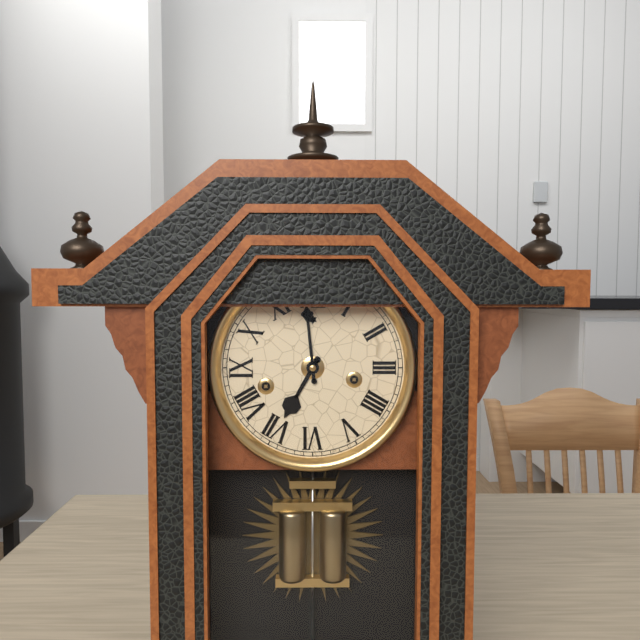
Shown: h=6 m=59
